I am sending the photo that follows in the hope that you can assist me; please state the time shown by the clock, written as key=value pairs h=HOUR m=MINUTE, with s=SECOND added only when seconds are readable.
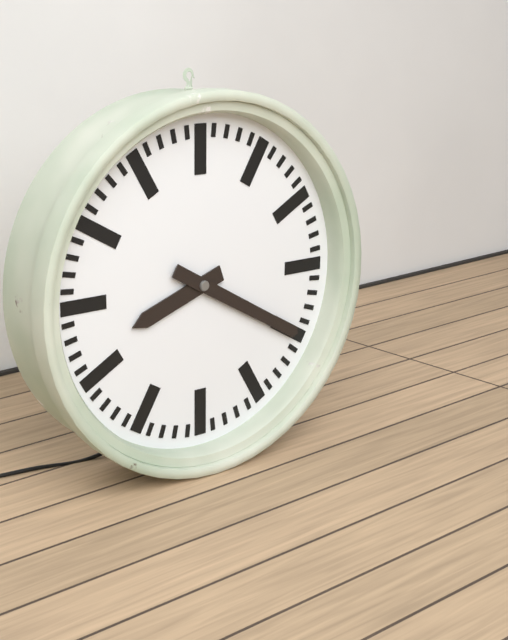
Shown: h=8 m=20
